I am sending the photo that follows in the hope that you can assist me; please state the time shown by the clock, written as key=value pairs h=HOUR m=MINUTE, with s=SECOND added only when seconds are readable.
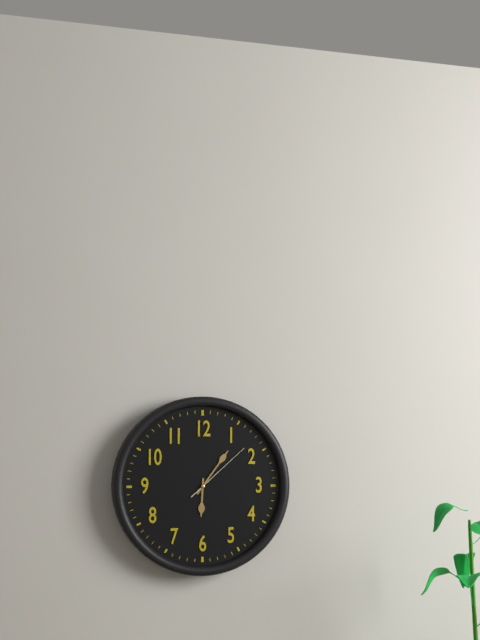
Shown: h=6 m=6 s=8
